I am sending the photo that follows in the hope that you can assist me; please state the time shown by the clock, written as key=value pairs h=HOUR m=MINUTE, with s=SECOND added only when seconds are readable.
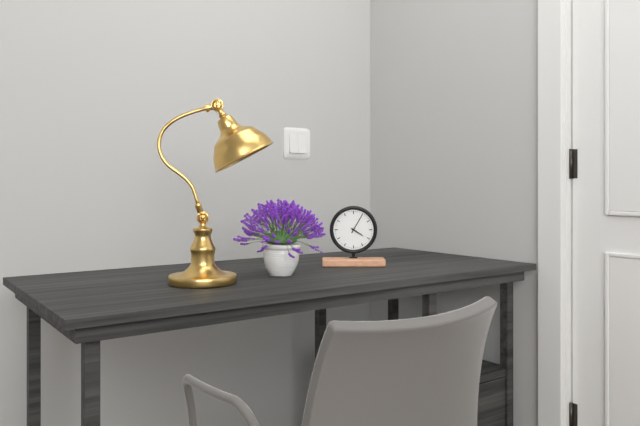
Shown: h=4 m=5
